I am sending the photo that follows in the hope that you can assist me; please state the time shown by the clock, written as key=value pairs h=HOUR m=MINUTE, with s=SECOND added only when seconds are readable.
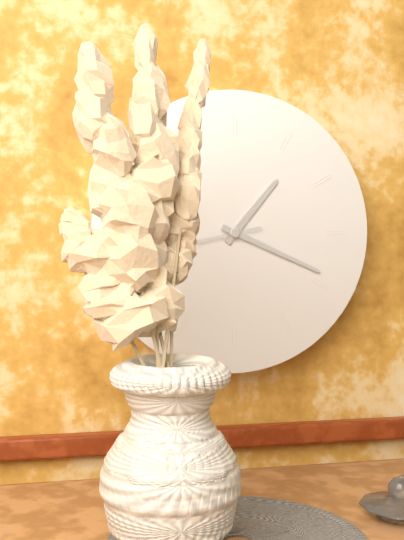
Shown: h=1 m=19
